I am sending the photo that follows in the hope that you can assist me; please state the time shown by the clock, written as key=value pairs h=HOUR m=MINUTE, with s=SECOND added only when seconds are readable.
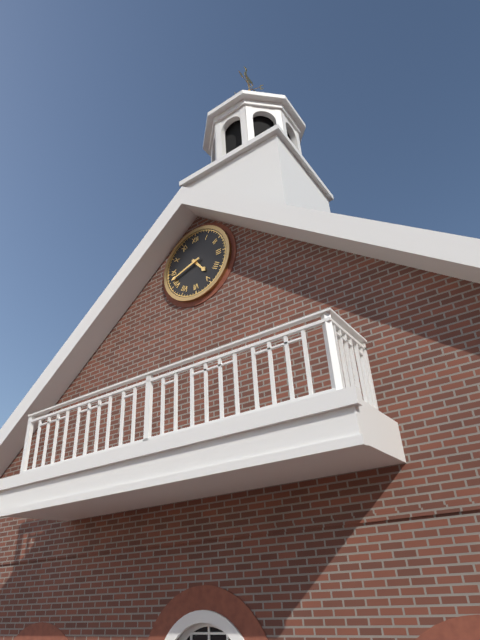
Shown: h=4 m=42
